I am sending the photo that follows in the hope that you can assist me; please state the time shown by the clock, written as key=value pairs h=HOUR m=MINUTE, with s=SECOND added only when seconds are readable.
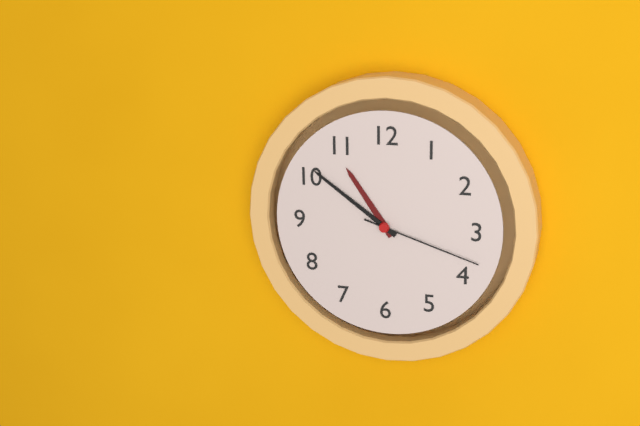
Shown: h=10 m=51 s=18
